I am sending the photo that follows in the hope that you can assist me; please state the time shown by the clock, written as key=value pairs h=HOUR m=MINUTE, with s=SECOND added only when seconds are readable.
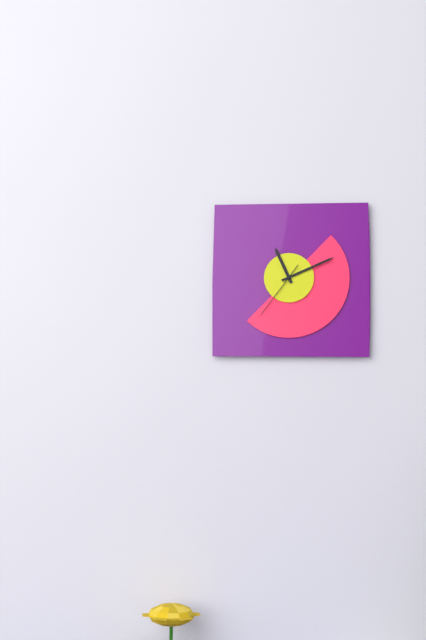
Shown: h=11 m=11 s=36
